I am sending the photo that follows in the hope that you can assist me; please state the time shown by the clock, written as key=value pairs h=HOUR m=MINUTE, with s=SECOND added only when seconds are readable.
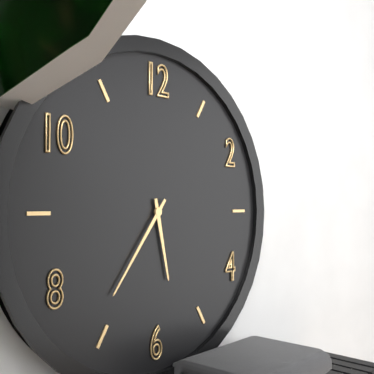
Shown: h=5 m=36
